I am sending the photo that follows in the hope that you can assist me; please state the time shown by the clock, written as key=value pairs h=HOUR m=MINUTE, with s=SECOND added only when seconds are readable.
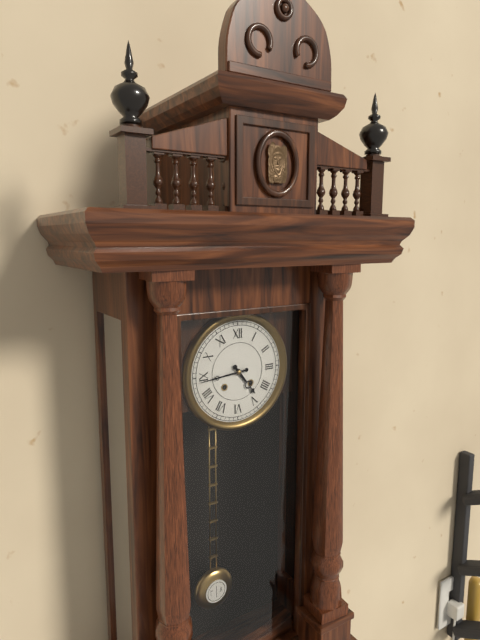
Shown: h=4 m=44
